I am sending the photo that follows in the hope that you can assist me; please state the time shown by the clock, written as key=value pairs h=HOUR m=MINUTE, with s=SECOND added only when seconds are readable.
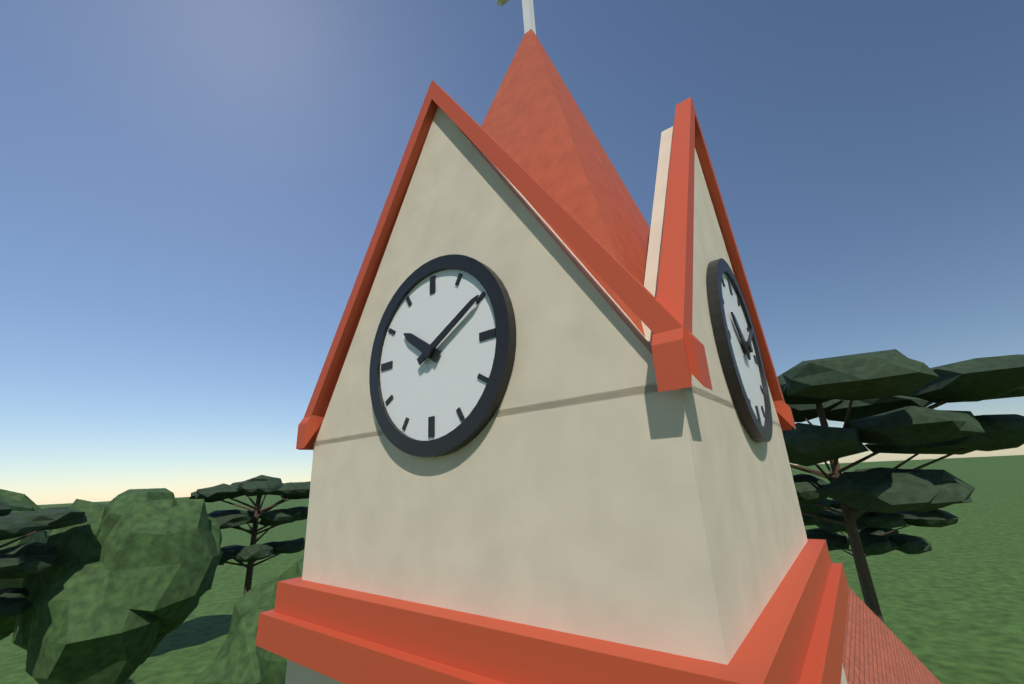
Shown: h=10 m=10
